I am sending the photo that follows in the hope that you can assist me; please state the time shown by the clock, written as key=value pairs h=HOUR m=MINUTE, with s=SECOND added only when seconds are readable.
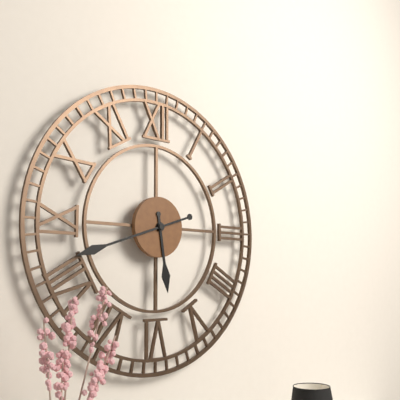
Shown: h=5 m=42
